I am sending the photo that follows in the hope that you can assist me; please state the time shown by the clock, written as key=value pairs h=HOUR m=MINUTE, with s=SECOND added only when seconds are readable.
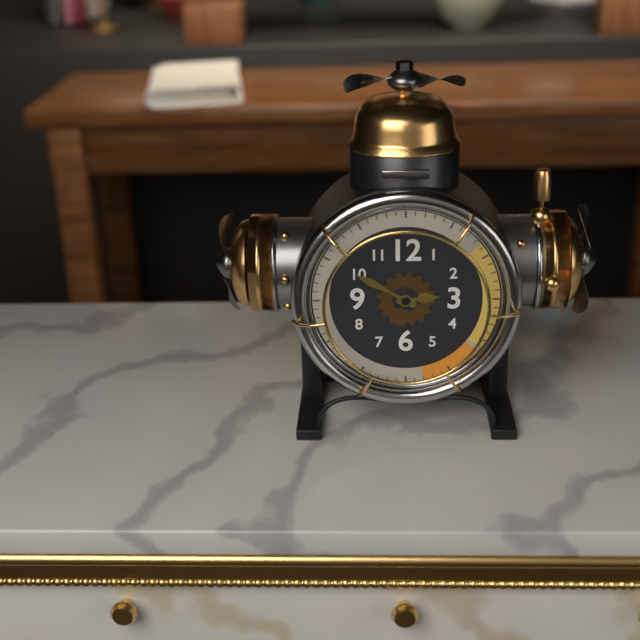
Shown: h=2 m=50
